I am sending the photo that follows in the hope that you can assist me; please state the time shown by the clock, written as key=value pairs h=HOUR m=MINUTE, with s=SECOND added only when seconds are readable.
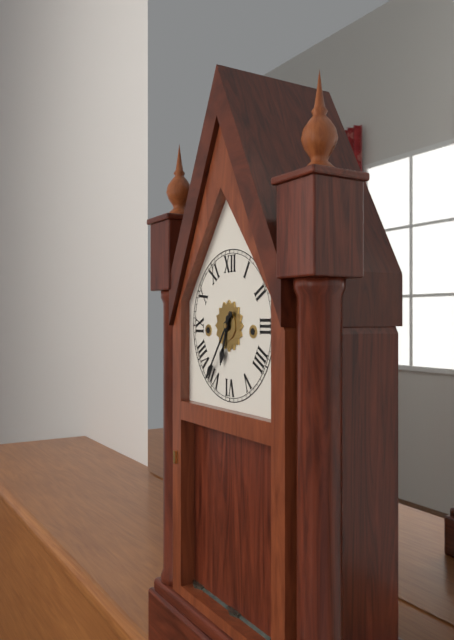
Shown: h=6 m=36
